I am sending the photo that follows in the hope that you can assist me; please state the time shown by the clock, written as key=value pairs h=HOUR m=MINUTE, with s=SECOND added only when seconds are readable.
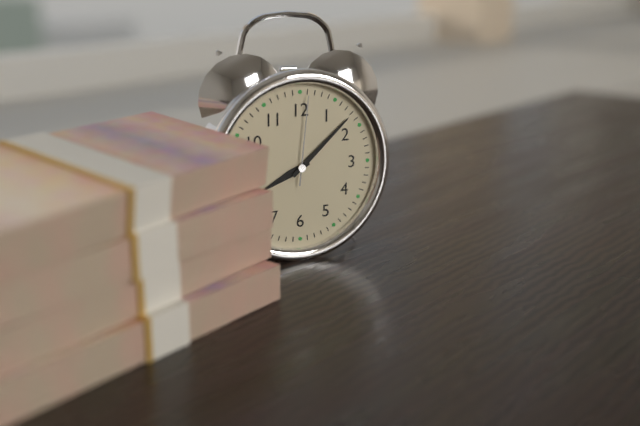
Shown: h=8 m=8 s=1
